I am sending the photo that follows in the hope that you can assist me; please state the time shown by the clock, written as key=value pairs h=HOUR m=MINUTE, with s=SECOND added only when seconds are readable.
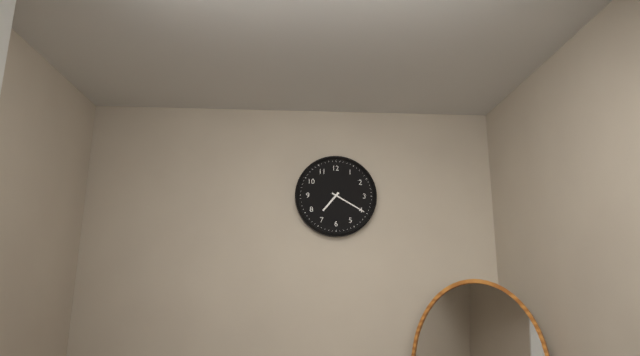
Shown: h=7 m=20
